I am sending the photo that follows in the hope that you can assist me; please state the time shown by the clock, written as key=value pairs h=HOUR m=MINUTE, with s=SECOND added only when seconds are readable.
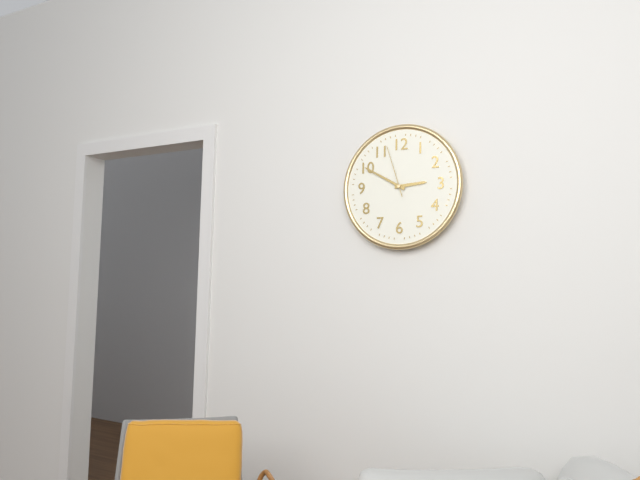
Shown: h=2 m=50 s=57
